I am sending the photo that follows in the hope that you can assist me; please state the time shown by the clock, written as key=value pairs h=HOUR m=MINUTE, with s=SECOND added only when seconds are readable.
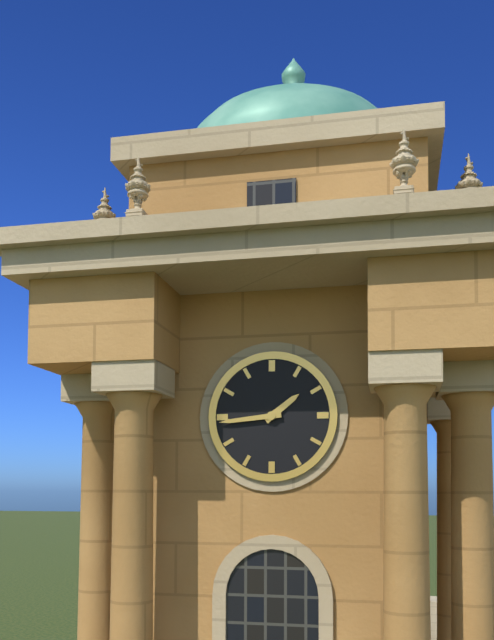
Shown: h=1 m=44
